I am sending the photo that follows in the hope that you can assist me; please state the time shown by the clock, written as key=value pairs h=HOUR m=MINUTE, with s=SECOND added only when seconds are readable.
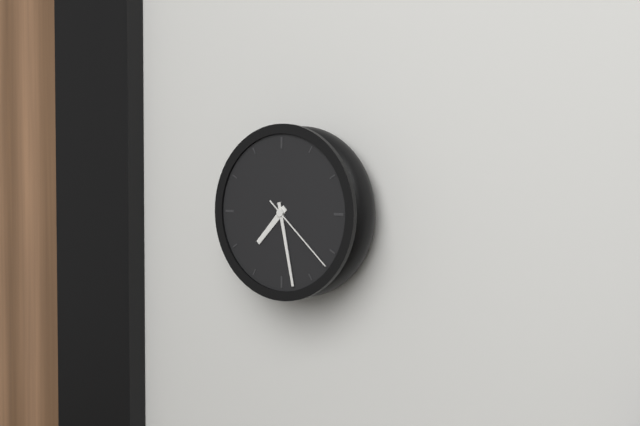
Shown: h=7 m=28 s=22
